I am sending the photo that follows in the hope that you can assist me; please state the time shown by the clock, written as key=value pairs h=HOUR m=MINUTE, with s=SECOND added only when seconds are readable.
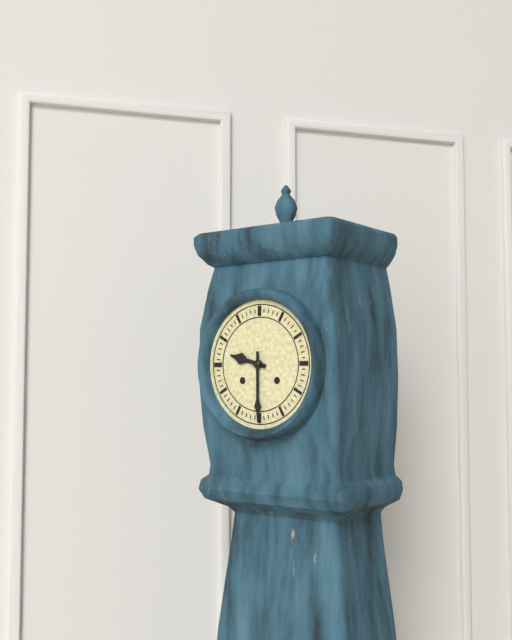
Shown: h=9 m=30
